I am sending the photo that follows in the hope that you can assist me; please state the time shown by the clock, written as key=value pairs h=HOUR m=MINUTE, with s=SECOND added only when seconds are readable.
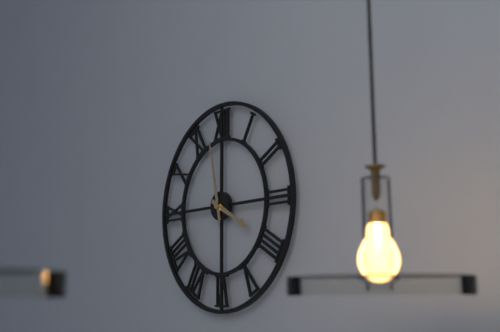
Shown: h=3 m=58
